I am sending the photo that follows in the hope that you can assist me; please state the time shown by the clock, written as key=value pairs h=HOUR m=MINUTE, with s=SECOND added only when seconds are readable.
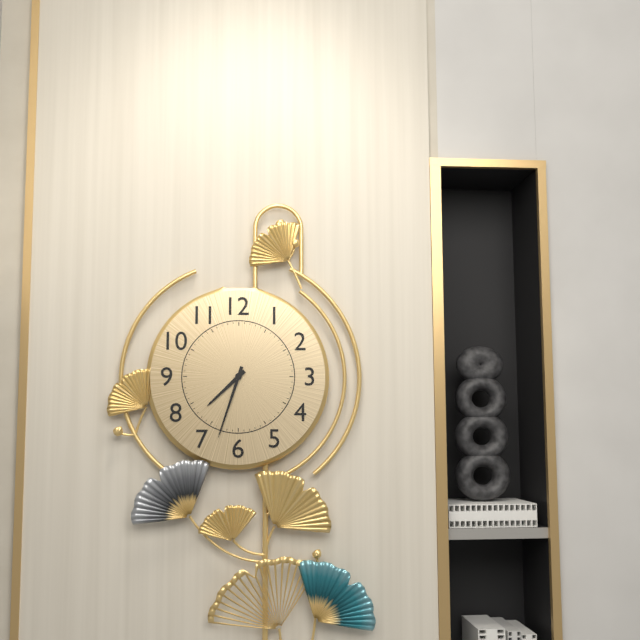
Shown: h=7 m=33
